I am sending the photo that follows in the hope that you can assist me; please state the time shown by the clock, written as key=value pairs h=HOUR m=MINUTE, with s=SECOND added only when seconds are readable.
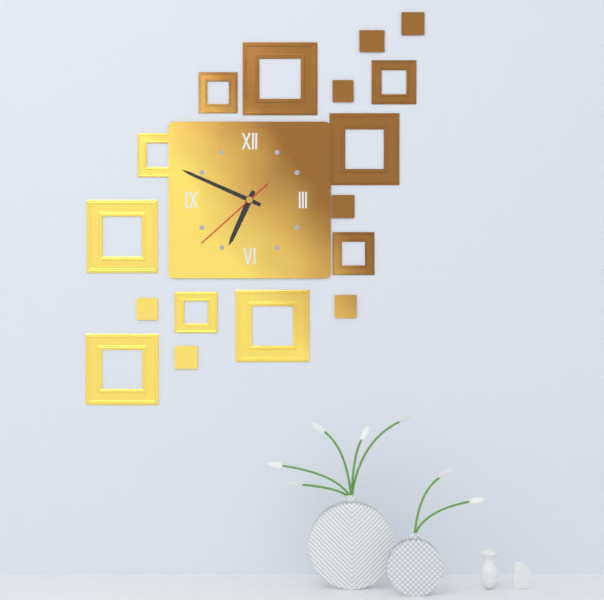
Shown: h=6 m=49 s=38
